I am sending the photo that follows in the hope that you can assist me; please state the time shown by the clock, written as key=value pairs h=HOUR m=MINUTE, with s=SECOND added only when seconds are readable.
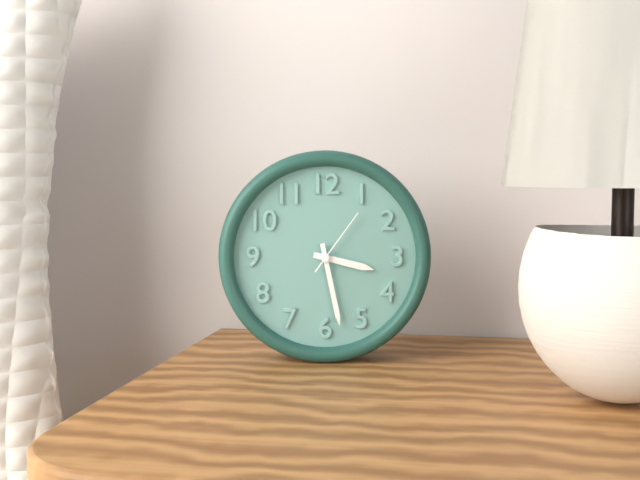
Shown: h=3 m=28 s=6
